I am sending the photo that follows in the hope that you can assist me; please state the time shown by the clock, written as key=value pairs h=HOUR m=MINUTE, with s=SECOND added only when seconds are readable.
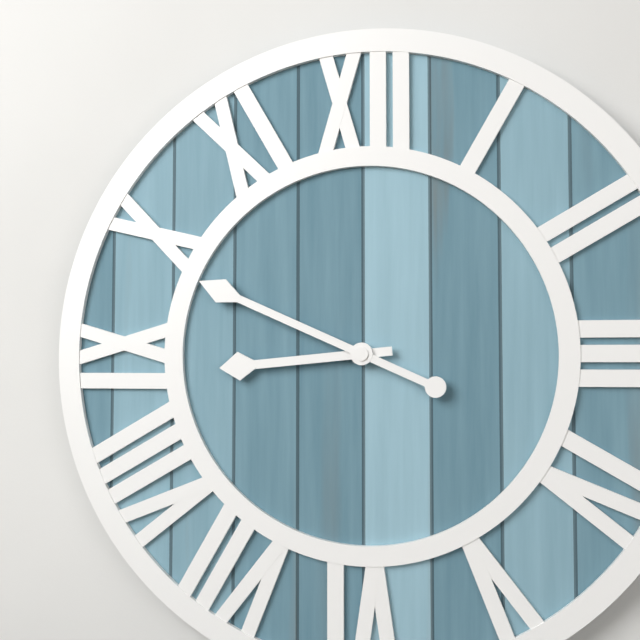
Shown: h=8 m=49
